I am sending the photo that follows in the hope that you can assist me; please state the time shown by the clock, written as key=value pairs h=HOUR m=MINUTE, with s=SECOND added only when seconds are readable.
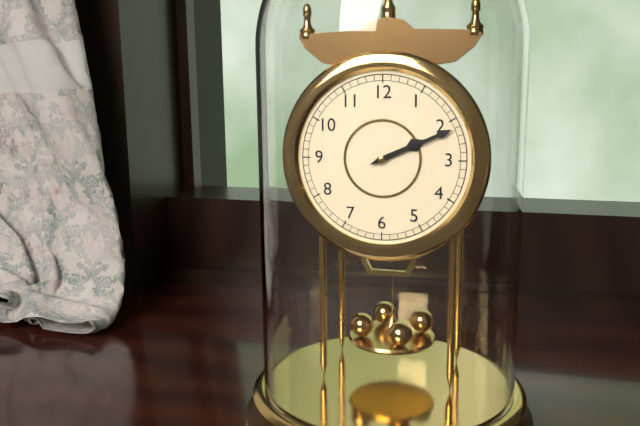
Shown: h=2 m=11
